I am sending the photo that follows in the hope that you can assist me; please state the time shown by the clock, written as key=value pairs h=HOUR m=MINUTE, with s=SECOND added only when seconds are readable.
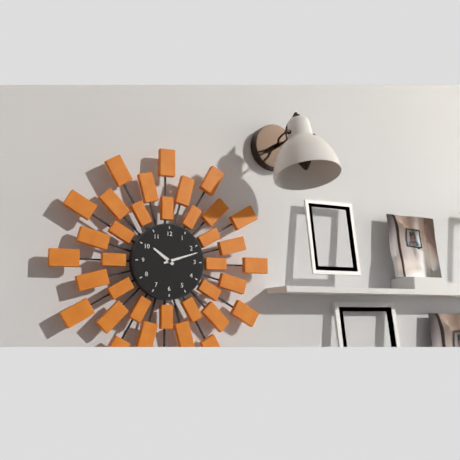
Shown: h=10 m=12
